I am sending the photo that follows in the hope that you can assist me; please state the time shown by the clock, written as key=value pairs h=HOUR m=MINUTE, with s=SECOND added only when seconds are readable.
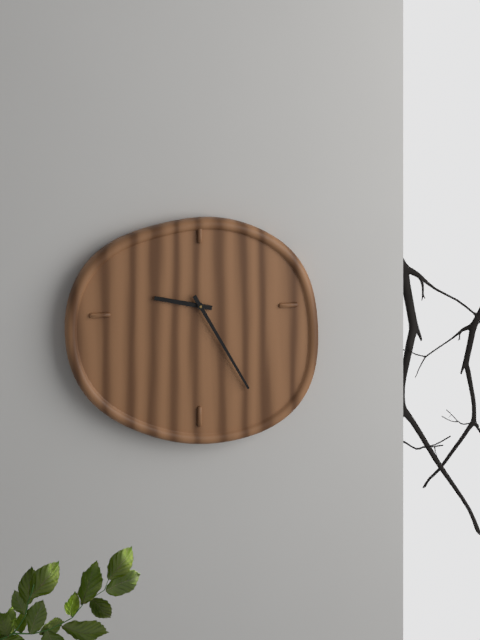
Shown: h=9 m=25
